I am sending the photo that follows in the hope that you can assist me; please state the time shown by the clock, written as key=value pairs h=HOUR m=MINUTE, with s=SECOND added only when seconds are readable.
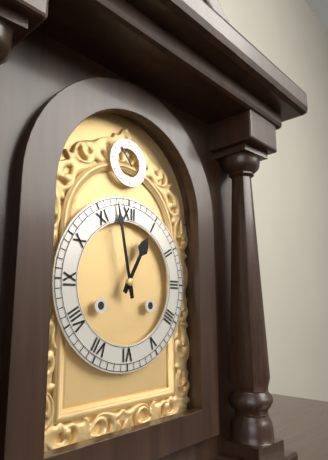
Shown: h=12 m=58
